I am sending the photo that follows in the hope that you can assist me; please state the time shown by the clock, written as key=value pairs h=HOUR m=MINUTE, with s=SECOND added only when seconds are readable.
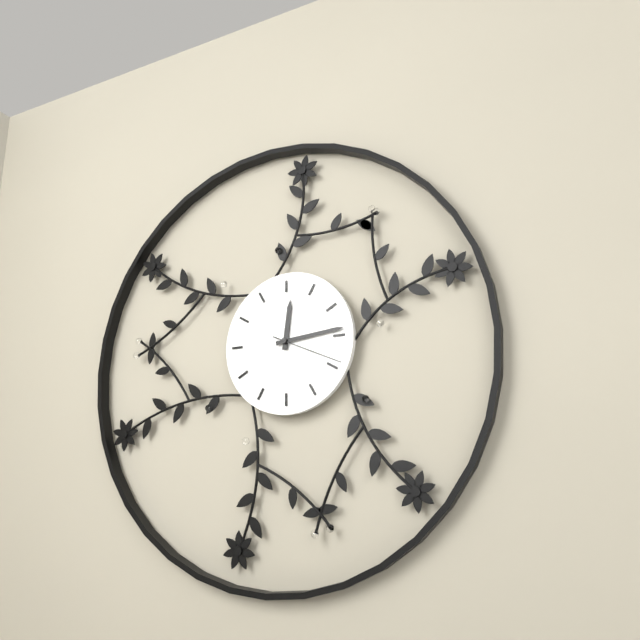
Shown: h=12 m=14 s=19
